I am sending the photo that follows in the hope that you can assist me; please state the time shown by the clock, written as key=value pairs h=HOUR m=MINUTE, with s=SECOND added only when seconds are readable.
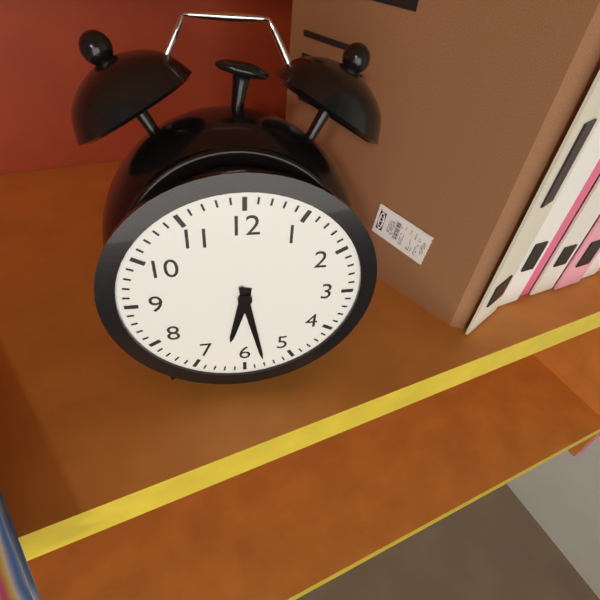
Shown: h=6 m=28
